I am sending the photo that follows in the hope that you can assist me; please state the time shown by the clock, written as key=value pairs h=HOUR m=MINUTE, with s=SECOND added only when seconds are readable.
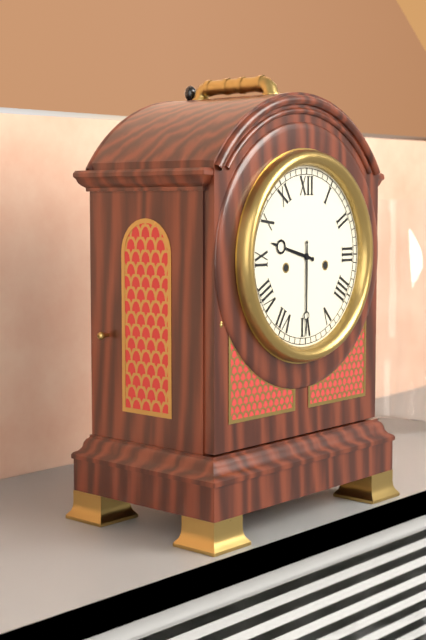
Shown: h=9 m=30
